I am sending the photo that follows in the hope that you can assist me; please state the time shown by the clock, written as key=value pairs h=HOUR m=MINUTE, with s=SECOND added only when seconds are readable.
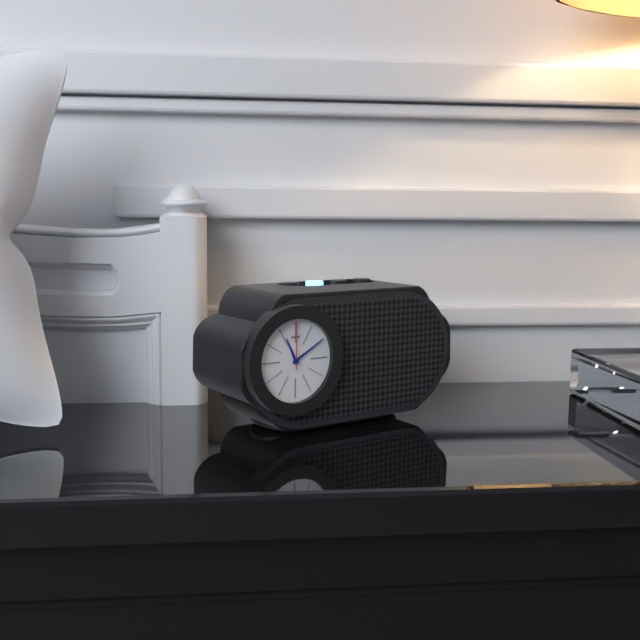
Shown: h=11 m=10 s=0
